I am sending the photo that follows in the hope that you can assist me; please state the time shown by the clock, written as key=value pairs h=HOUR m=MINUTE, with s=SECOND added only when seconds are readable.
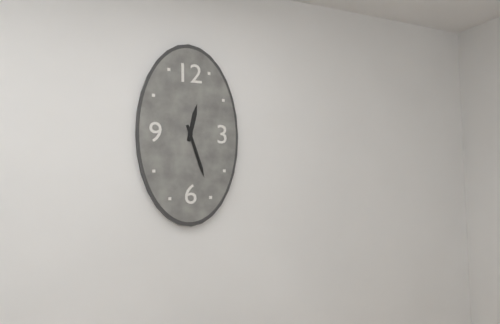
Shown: h=12 m=27
